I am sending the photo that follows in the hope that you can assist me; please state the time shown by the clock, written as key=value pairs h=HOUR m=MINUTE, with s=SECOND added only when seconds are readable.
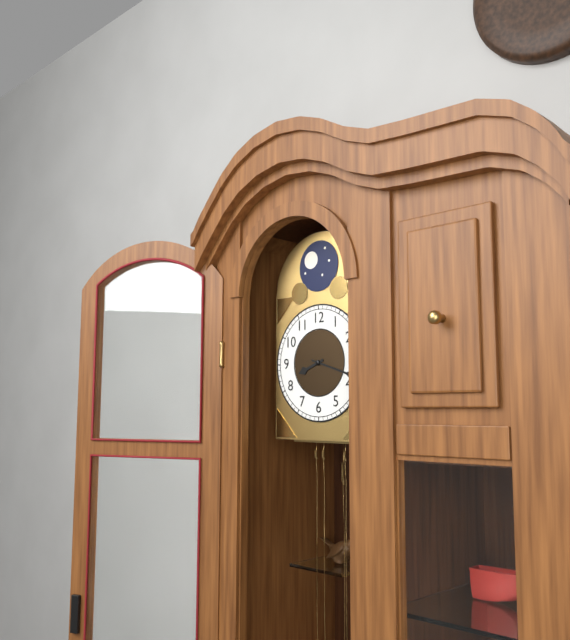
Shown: h=8 m=18
